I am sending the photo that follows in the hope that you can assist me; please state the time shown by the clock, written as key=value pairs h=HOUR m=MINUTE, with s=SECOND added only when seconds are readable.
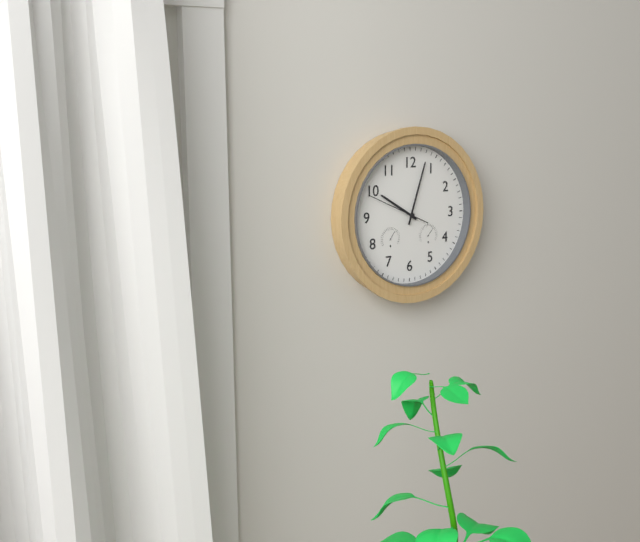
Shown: h=10 m=3 s=49
